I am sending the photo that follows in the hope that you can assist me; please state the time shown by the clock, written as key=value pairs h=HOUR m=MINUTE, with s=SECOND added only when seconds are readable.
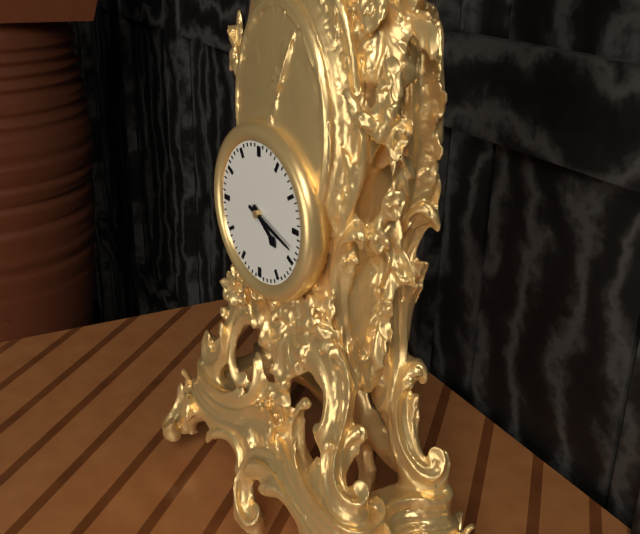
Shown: h=4 m=18
